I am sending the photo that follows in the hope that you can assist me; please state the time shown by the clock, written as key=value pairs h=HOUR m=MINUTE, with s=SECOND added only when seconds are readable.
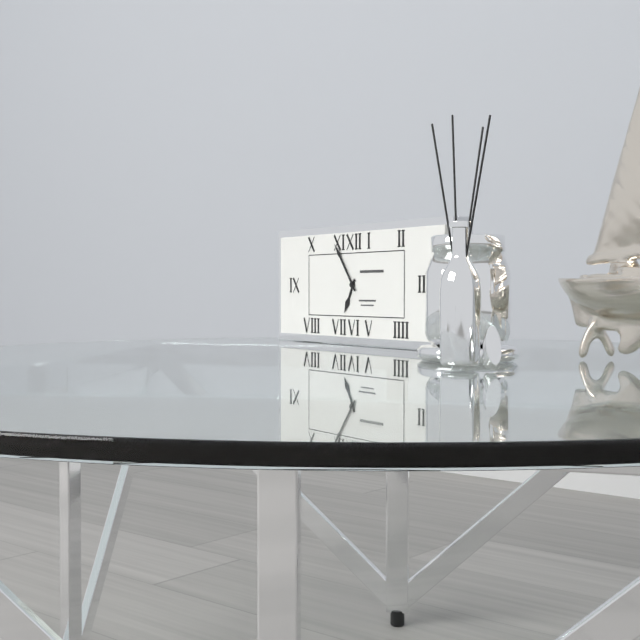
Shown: h=6 m=54
